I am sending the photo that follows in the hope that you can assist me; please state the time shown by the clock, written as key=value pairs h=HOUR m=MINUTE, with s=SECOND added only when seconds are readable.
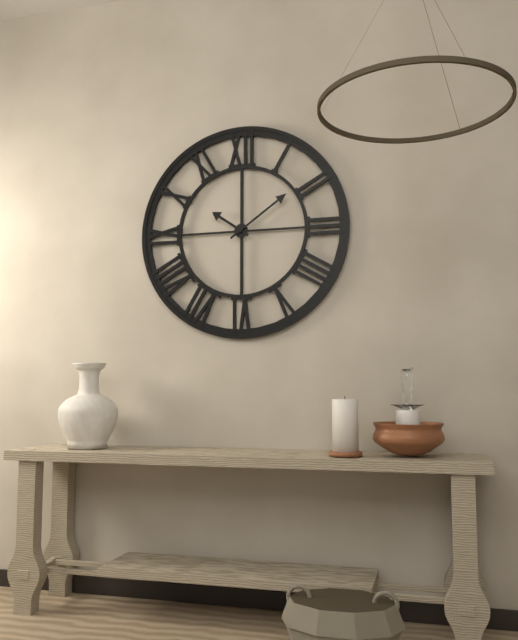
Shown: h=10 m=9
